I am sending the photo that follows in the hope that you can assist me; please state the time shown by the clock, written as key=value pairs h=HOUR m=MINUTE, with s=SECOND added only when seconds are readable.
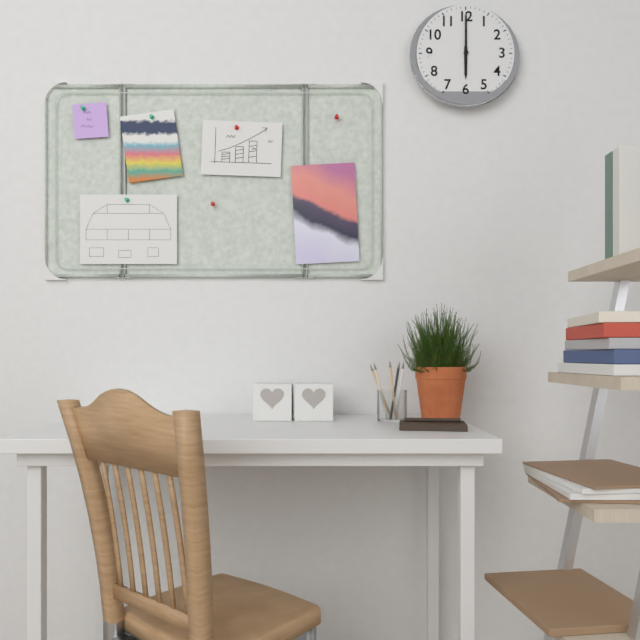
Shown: h=6 m=0
